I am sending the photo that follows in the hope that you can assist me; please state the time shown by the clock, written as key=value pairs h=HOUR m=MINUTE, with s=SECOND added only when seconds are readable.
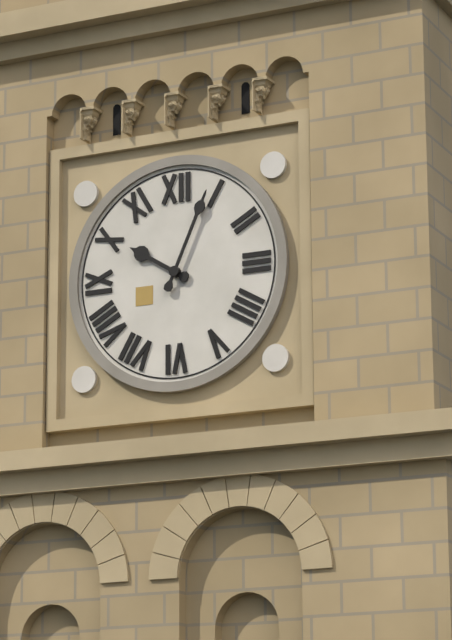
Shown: h=10 m=4
